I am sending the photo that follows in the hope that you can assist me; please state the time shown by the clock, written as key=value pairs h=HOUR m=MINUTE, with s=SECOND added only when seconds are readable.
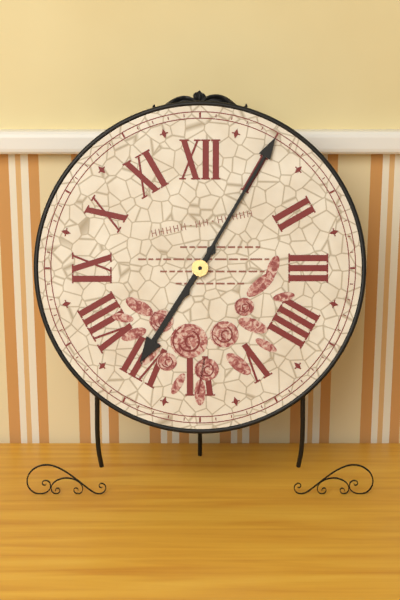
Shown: h=7 m=5
